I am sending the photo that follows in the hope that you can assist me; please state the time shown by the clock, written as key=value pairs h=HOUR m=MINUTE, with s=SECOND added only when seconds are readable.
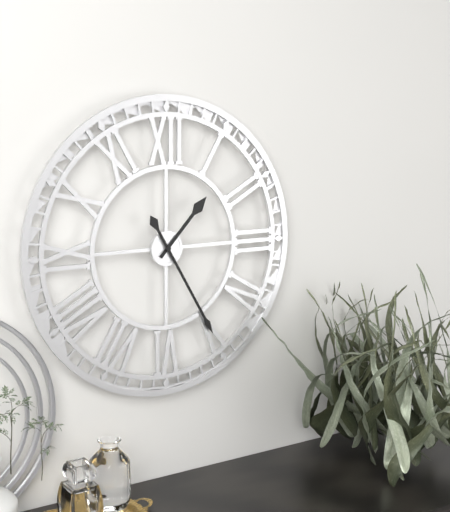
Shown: h=1 m=25
